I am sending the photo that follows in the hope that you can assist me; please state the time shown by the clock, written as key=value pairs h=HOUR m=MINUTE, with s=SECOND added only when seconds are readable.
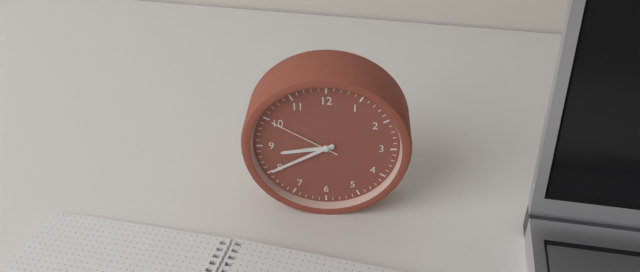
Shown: h=8 m=40 s=50
